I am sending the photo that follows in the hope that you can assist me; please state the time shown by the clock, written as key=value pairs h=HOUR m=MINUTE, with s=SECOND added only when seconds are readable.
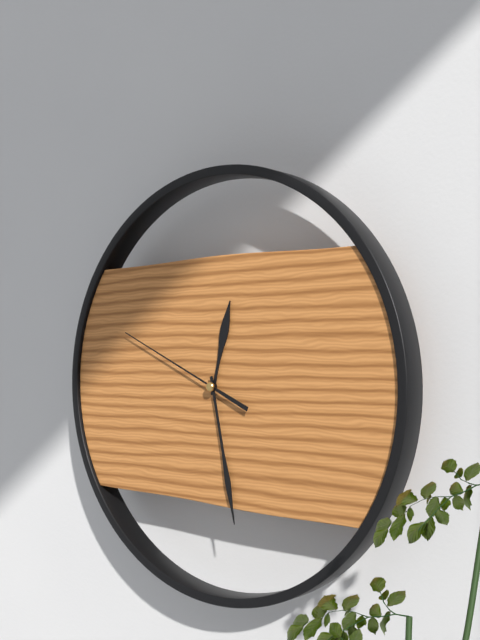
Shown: h=12 m=28 s=49
